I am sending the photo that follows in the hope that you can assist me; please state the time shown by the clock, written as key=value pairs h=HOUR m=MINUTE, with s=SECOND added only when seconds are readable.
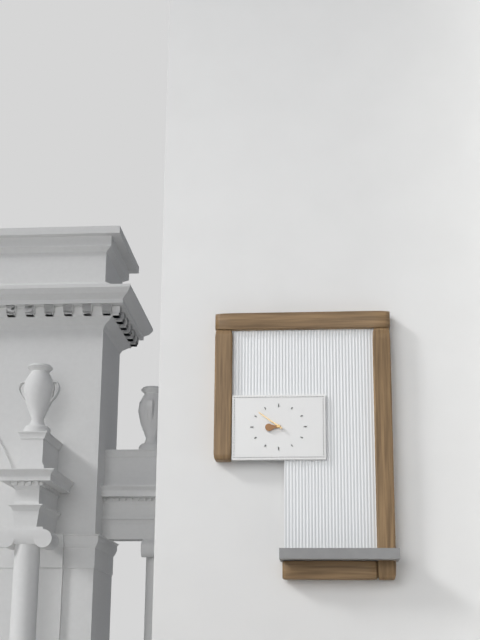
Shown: h=8 m=51
